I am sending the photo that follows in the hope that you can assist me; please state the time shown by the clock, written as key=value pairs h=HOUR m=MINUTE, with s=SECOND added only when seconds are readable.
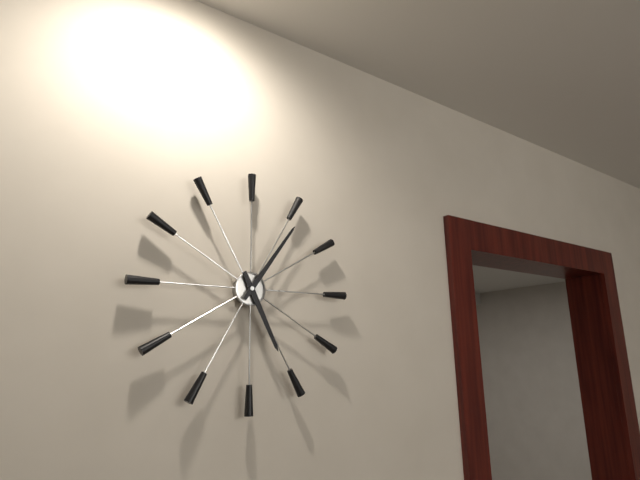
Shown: h=5 m=6
